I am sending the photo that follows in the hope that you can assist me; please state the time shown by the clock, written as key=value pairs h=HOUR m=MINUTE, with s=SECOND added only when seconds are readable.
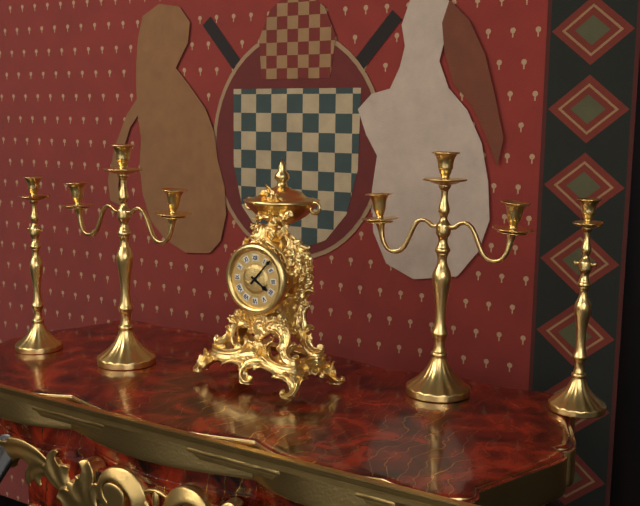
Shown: h=4 m=7
